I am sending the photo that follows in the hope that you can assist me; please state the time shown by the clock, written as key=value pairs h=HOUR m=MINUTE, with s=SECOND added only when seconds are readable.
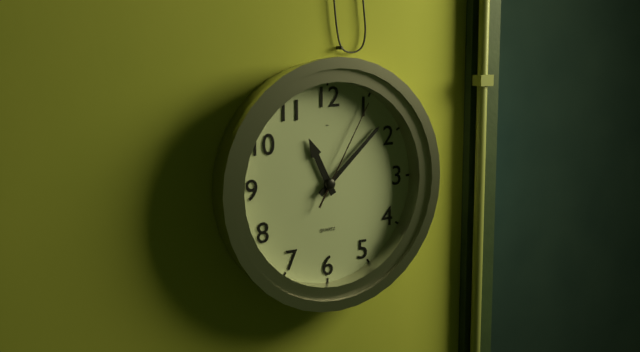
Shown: h=11 m=8 s=5
